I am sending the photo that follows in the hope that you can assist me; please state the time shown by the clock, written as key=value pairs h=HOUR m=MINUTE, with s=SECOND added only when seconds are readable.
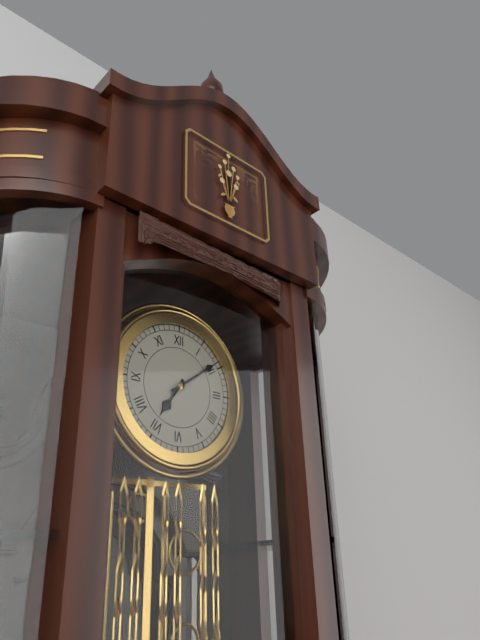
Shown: h=7 m=9
